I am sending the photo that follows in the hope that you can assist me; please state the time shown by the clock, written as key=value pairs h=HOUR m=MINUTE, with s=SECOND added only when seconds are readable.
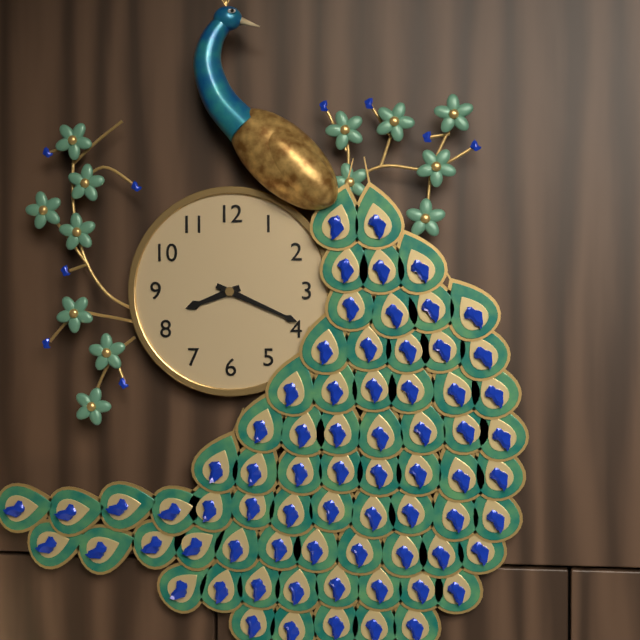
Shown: h=8 m=19
